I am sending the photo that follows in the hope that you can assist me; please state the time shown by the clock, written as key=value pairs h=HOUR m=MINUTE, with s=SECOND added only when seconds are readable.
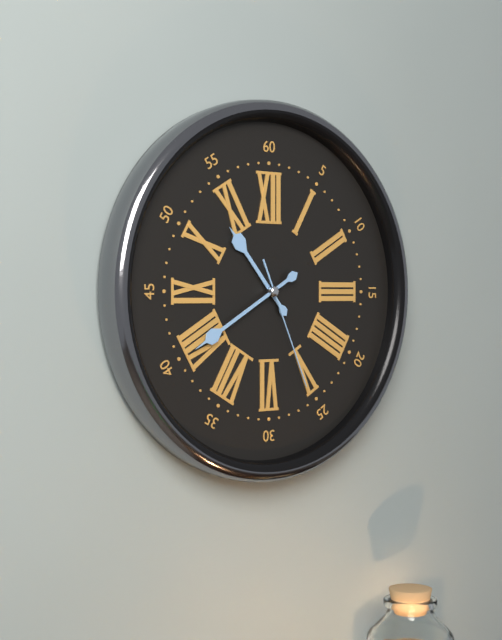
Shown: h=10 m=40 s=26
